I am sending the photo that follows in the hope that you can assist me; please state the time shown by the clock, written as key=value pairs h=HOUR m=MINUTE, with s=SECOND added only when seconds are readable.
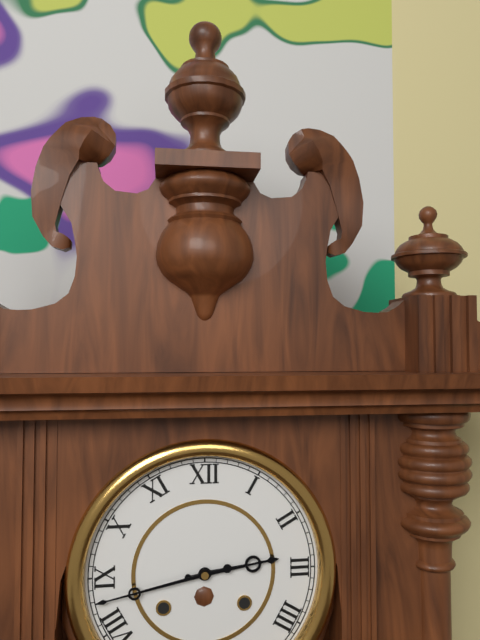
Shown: h=2 m=43
